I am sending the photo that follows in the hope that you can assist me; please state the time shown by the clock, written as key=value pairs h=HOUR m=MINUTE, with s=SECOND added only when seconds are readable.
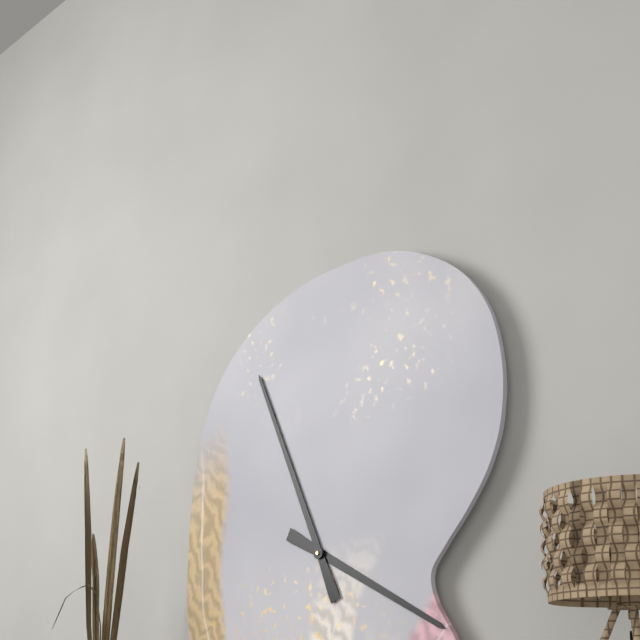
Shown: h=3 m=56
